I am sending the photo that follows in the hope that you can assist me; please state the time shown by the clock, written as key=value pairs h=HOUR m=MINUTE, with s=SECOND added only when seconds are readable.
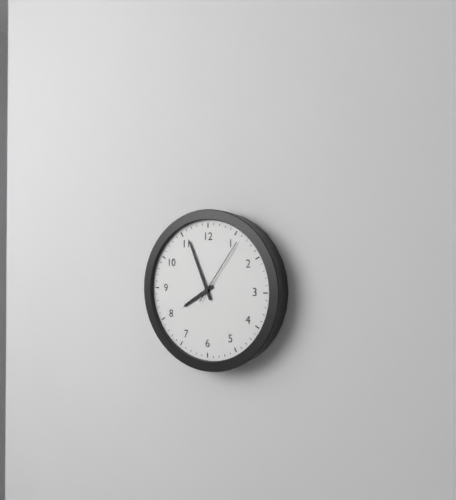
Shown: h=7 m=56 s=6
